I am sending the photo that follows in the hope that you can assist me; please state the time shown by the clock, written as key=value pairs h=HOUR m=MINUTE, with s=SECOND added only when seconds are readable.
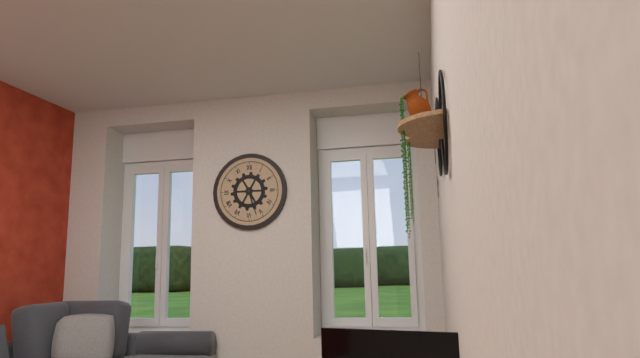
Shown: h=5 m=27
